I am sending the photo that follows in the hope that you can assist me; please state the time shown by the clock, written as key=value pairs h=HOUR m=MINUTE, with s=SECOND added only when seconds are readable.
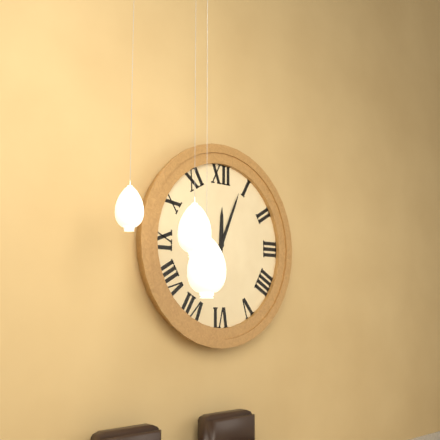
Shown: h=12 m=4
